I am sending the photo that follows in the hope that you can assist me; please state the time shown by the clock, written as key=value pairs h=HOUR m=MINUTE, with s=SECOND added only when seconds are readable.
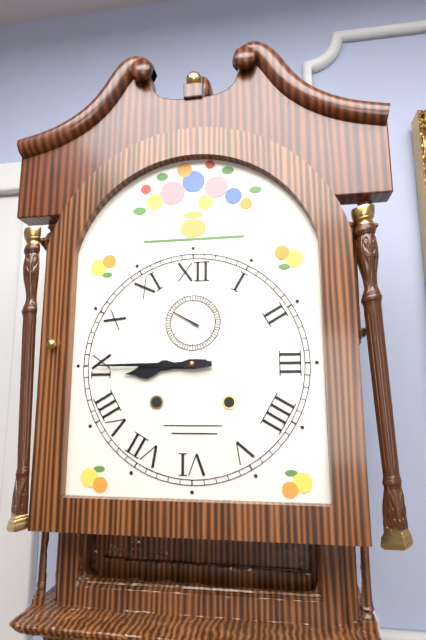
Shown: h=8 m=45
